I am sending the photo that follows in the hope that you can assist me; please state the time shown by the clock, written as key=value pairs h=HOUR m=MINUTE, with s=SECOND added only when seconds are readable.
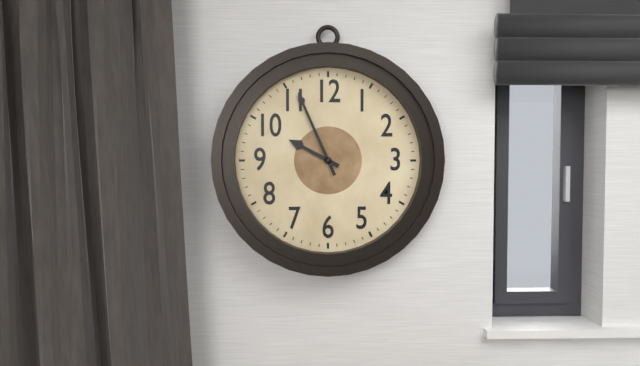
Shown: h=9 m=56
